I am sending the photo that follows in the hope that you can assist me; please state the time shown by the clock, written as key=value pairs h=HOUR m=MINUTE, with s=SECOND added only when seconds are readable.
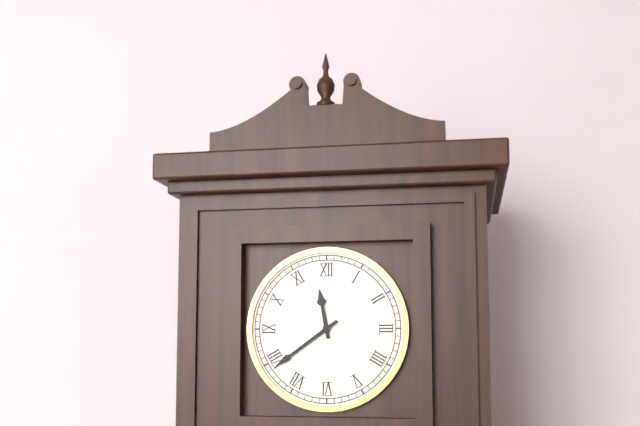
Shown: h=11 m=39
